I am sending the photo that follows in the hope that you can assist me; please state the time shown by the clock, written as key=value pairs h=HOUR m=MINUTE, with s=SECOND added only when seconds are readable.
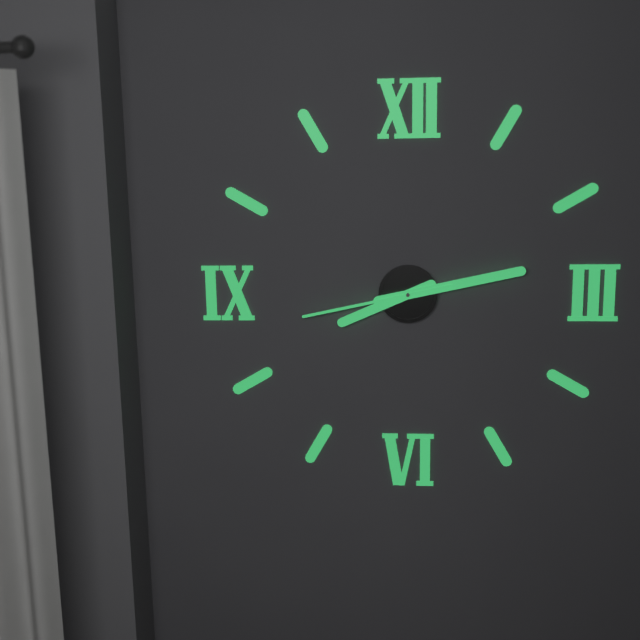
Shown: h=8 m=13 s=43
